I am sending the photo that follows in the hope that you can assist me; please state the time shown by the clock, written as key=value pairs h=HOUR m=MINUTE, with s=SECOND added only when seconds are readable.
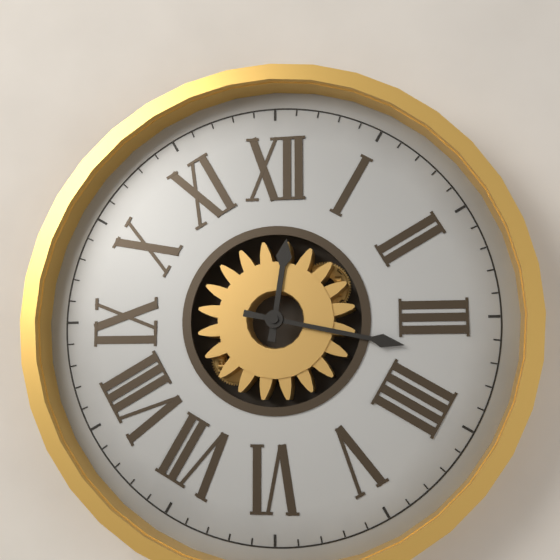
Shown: h=12 m=17
